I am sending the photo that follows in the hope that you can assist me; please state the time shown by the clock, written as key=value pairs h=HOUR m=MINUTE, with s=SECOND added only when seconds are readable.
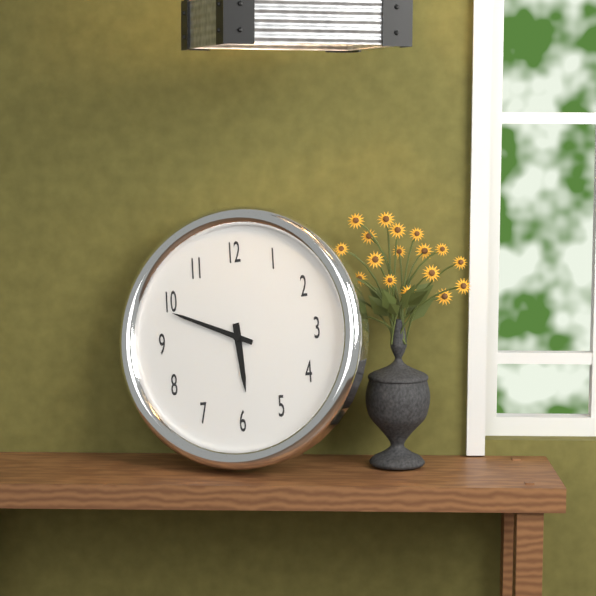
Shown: h=5 m=49
